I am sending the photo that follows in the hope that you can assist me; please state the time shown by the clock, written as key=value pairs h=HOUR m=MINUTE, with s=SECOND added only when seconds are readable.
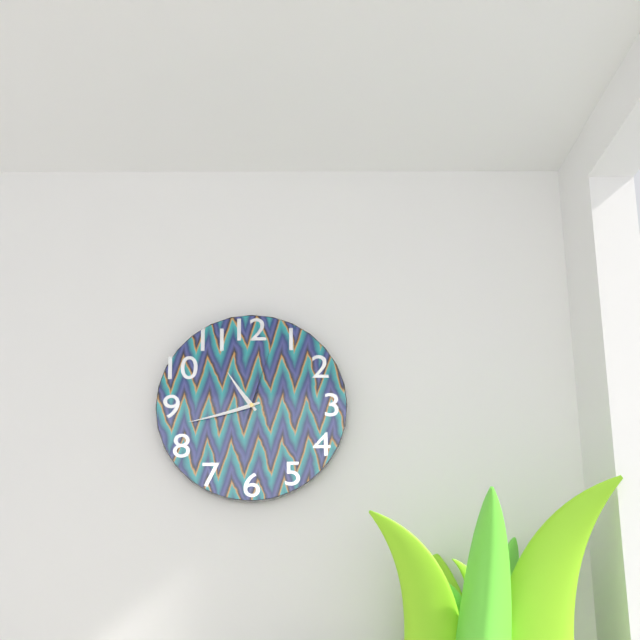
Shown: h=10 m=42 s=3
